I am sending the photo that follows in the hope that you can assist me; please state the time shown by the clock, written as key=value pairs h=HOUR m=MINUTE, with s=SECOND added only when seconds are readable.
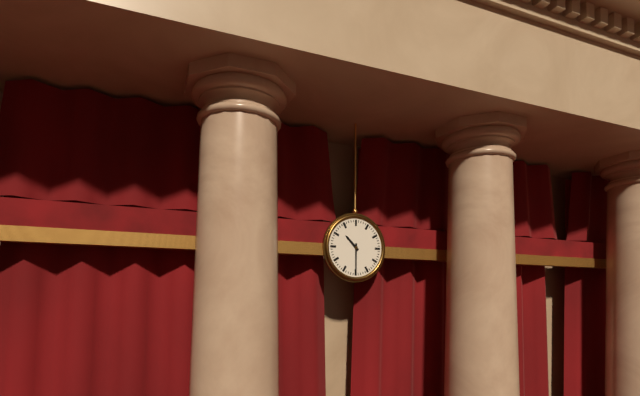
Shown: h=10 m=30
